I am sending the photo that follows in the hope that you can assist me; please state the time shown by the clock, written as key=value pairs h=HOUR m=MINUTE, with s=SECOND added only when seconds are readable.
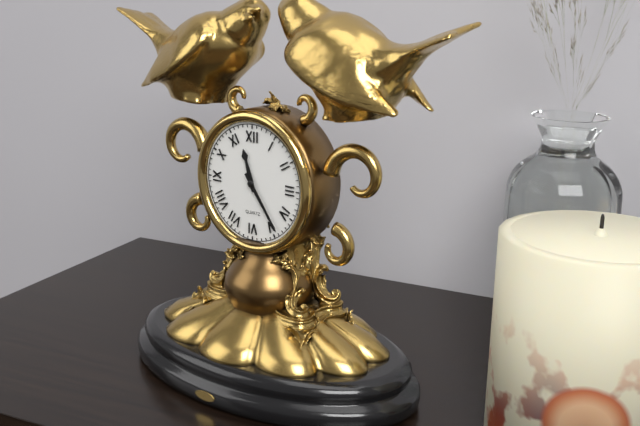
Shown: h=11 m=24
